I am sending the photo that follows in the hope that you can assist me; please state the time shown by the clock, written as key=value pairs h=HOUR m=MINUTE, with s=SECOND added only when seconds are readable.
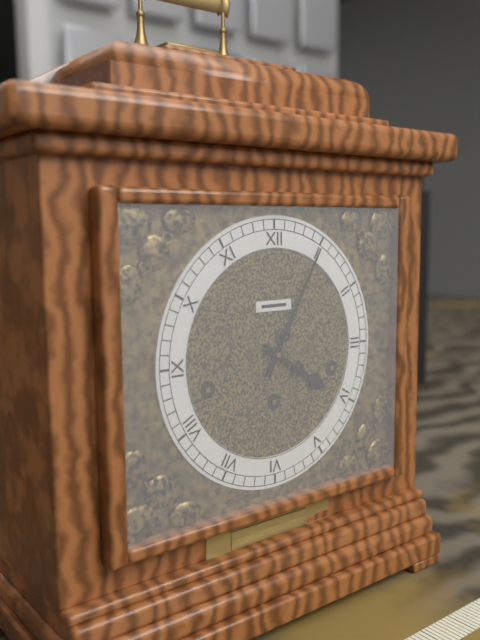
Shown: h=4 m=5
